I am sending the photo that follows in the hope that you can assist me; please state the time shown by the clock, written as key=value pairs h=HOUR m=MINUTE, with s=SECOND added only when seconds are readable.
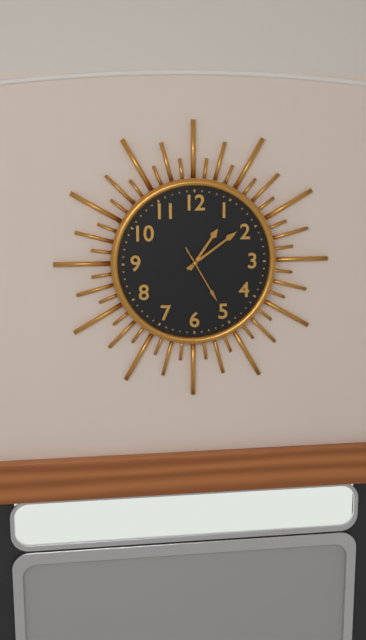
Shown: h=1 m=9 s=25
